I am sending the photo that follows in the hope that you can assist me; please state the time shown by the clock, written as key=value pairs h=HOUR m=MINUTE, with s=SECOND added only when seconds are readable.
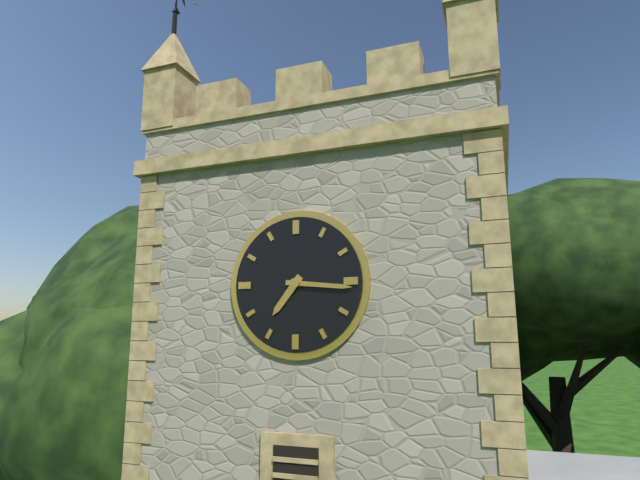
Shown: h=7 m=16
